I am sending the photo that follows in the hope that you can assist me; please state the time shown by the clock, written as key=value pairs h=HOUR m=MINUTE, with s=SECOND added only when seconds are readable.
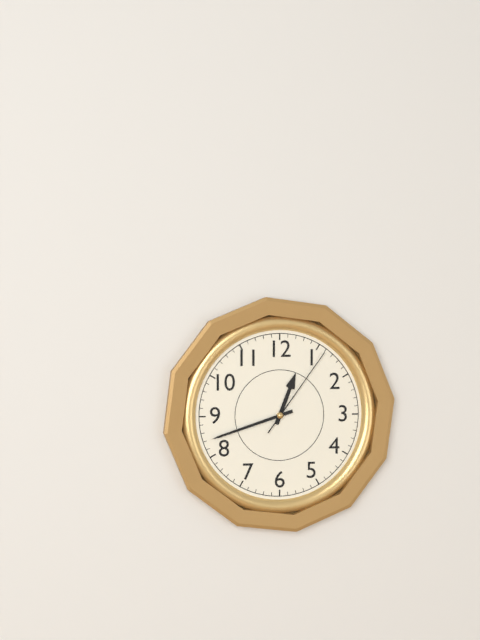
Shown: h=12 m=42 s=6
